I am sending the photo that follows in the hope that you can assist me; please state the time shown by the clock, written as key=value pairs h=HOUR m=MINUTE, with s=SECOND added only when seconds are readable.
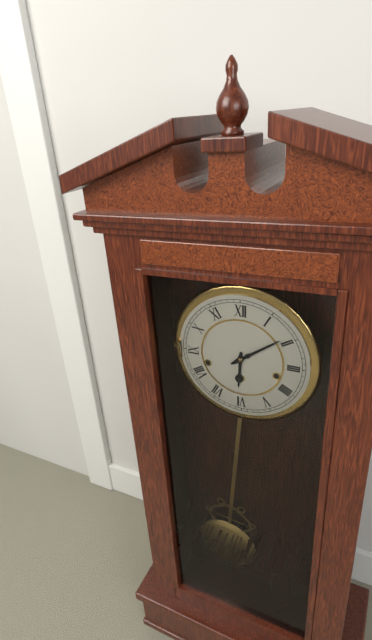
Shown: h=6 m=9
